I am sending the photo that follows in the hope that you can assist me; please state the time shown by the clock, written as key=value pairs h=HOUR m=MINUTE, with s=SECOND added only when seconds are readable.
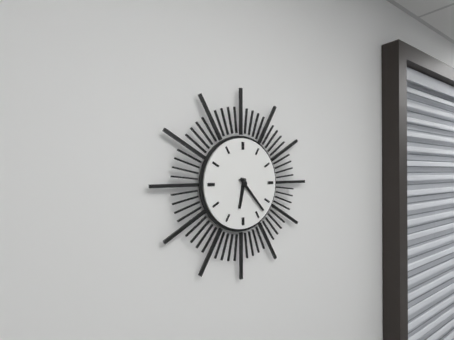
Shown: h=6 m=23
